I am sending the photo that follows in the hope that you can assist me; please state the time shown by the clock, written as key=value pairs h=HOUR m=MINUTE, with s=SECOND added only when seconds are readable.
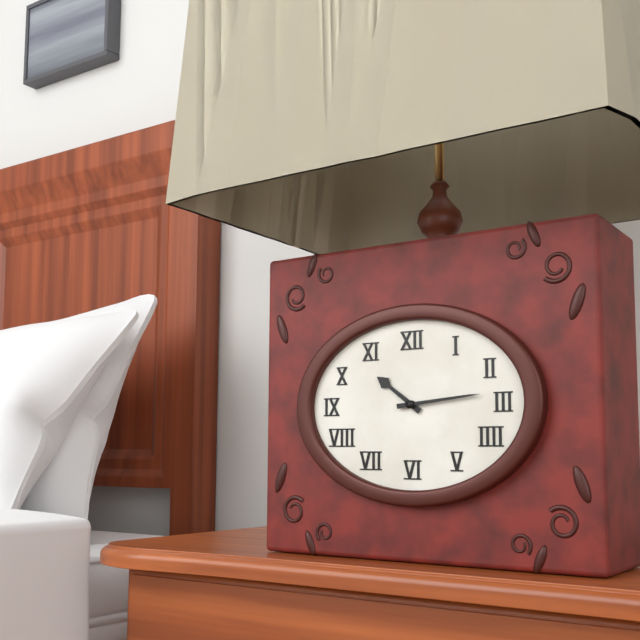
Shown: h=10 m=14
